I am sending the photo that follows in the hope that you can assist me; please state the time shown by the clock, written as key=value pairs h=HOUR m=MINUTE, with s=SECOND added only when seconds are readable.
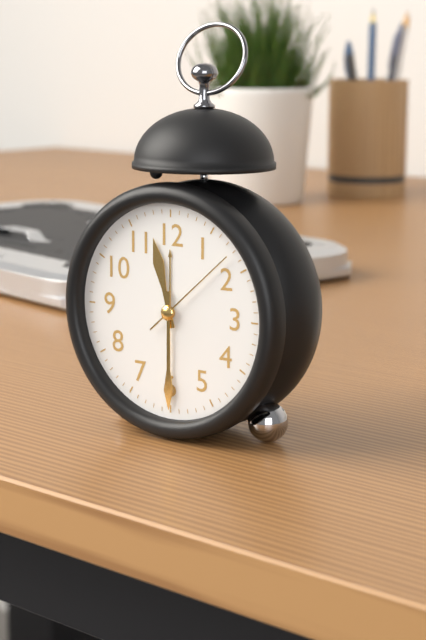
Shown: h=11 m=30 s=8
